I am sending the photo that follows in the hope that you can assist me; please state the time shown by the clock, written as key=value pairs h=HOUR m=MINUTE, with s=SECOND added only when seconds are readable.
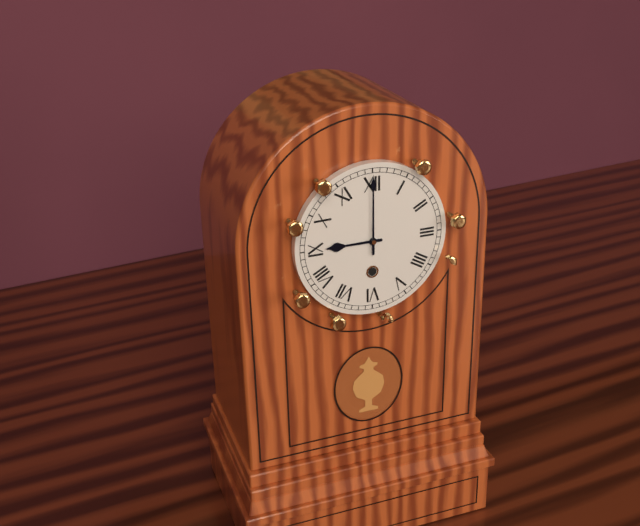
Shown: h=9 m=0
